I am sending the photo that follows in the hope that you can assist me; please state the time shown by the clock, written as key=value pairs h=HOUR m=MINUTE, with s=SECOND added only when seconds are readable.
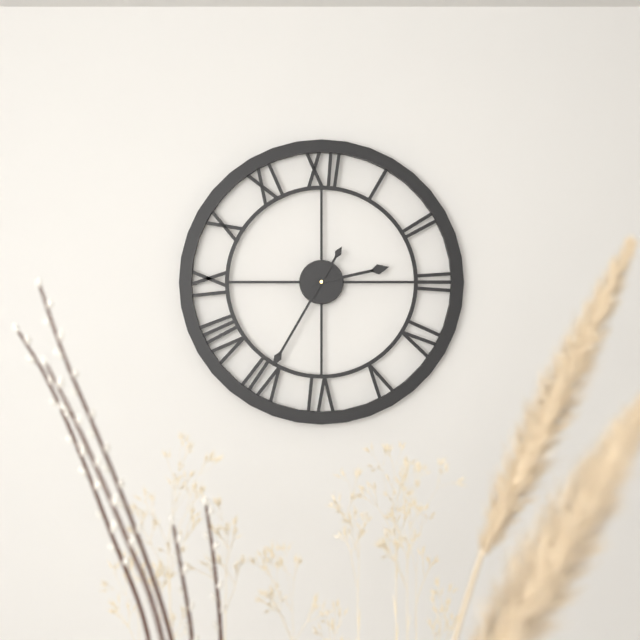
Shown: h=2 m=35
